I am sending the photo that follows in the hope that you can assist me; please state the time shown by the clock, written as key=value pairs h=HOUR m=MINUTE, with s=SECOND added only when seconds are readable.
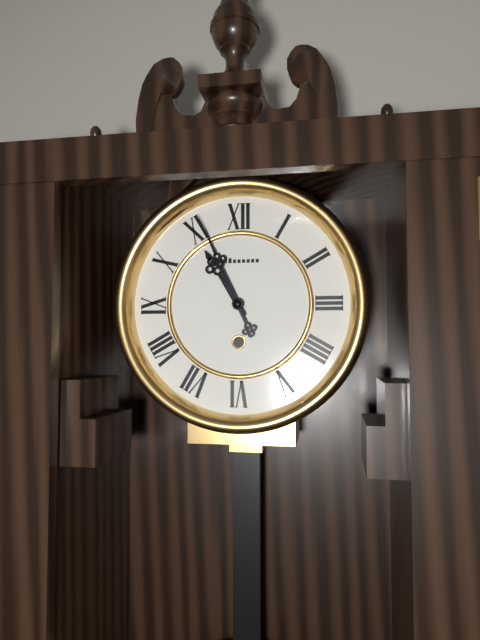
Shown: h=10 m=56
